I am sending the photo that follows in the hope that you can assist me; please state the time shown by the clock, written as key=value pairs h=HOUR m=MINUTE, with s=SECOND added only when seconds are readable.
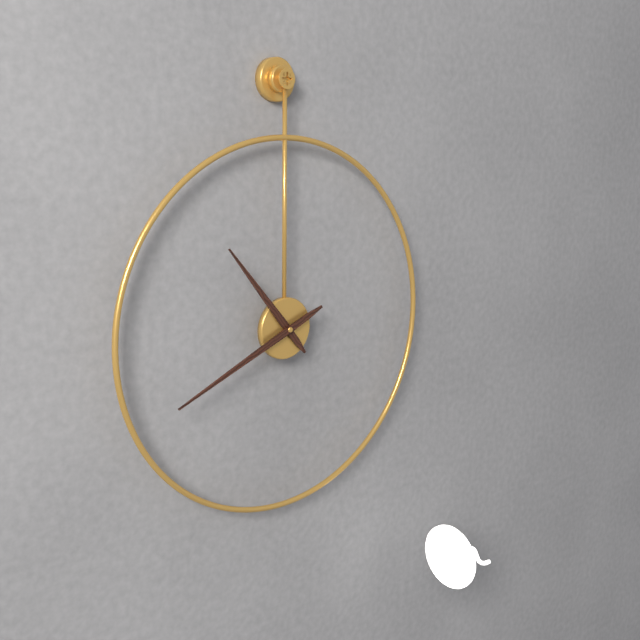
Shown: h=10 m=41
